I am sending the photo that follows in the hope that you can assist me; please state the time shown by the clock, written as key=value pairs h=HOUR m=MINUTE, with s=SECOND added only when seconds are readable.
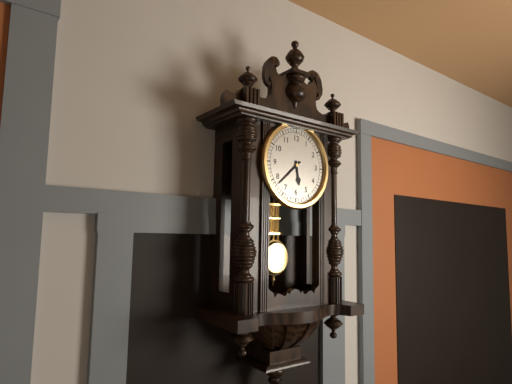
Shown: h=5 m=38
